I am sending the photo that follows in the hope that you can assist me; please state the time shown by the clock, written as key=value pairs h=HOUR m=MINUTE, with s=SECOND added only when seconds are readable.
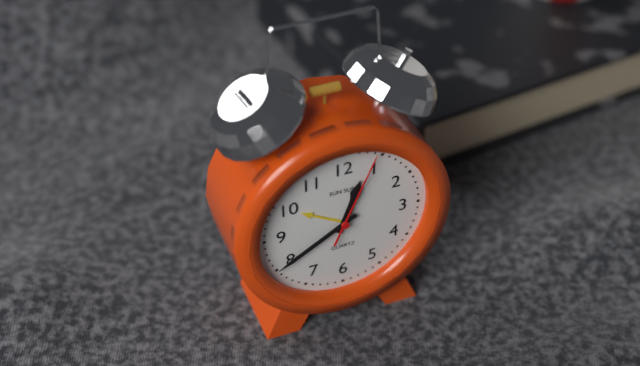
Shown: h=12 m=40 s=4
